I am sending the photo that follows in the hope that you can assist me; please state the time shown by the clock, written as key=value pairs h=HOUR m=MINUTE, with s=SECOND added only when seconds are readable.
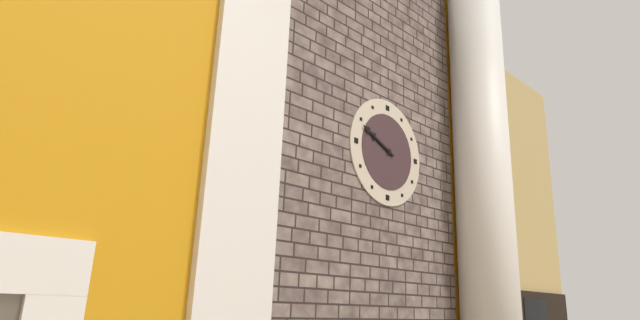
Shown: h=9 m=49
